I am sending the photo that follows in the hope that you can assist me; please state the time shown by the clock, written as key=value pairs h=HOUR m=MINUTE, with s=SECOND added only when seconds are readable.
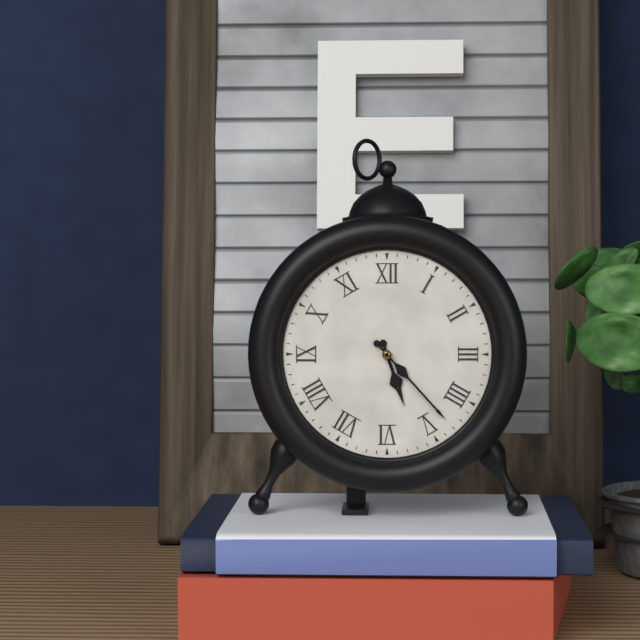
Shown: h=5 m=23
